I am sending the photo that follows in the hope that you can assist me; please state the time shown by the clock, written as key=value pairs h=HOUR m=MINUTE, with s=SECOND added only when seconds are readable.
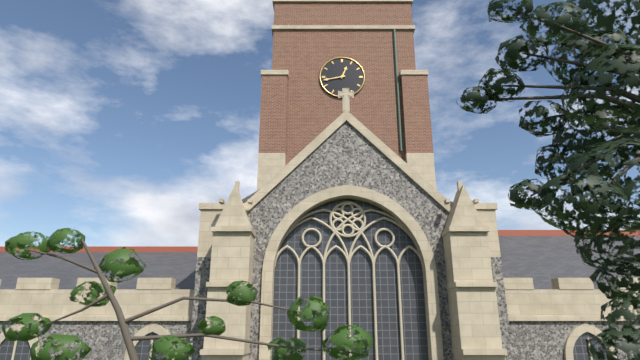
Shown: h=12 m=43
